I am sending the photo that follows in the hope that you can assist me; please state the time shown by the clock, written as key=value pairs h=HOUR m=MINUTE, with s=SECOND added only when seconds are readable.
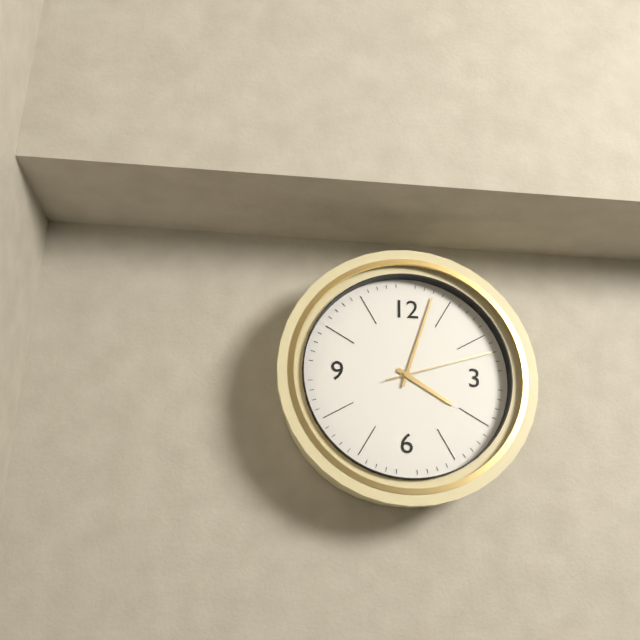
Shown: h=4 m=3 s=12
